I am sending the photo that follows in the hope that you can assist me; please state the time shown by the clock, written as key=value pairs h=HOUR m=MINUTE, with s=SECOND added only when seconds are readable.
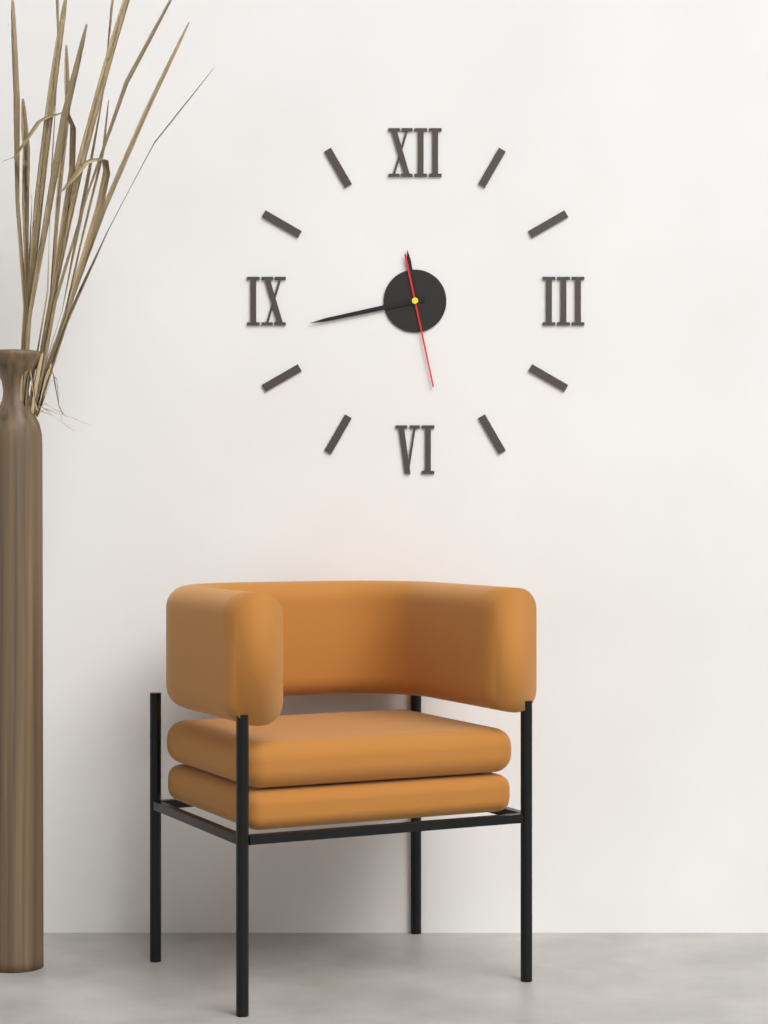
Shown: h=11 m=43 s=28
